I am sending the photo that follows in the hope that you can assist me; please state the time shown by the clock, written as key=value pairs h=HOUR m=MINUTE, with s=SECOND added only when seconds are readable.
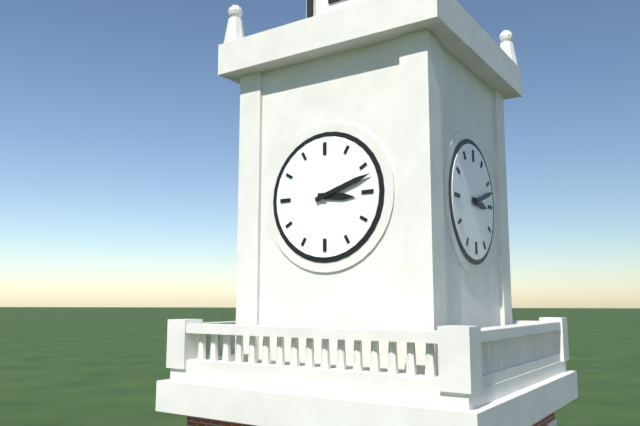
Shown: h=3 m=12
